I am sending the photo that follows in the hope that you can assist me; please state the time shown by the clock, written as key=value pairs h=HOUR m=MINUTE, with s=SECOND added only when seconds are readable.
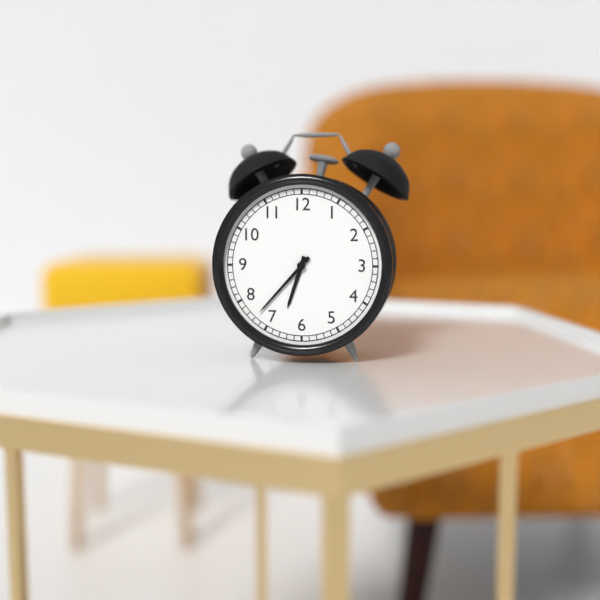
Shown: h=6 m=37
